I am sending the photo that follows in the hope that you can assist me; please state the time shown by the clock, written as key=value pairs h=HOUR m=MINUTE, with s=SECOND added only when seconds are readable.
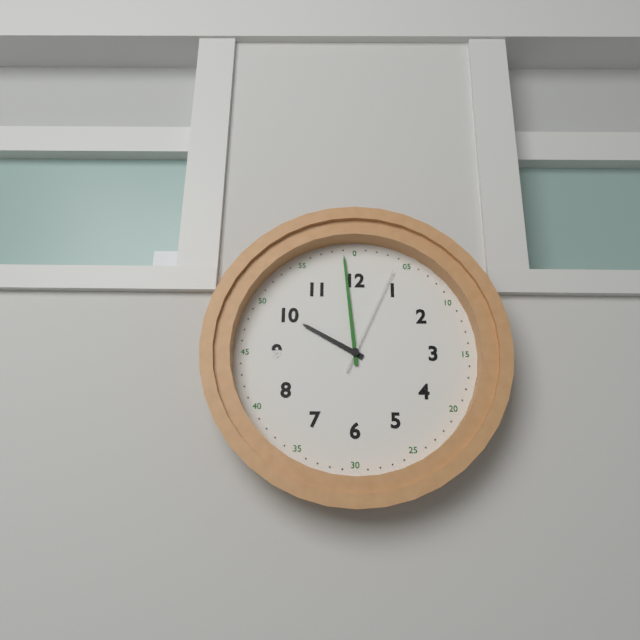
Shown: h=9 m=59 s=4
